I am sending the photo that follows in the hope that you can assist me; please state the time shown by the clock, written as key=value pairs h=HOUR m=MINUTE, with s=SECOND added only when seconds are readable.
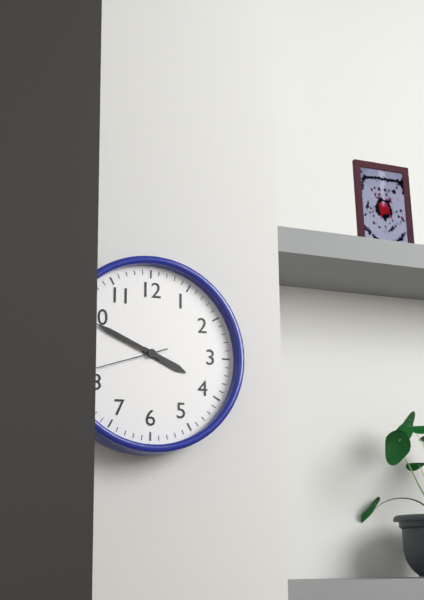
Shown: h=3 m=49 s=42
